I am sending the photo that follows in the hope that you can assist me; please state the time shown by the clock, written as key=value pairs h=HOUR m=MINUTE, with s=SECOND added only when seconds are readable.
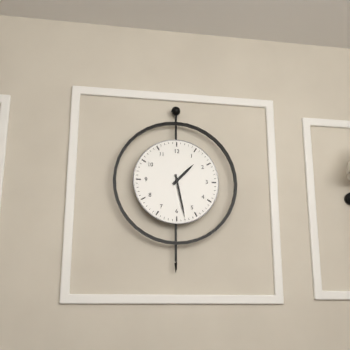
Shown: h=1 m=28
